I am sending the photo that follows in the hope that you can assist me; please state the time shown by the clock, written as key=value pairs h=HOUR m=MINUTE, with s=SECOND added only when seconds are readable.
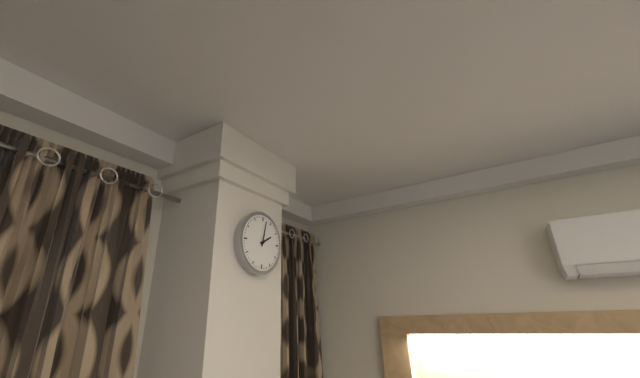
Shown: h=2 m=2
